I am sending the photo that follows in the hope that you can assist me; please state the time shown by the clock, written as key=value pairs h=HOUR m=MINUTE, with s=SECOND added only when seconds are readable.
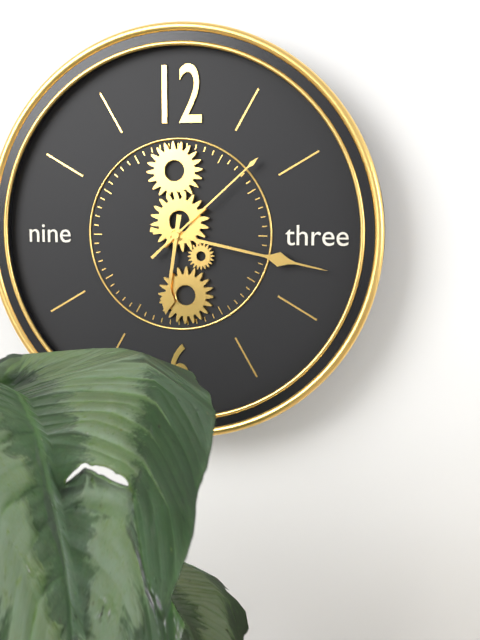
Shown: h=6 m=17 s=8
